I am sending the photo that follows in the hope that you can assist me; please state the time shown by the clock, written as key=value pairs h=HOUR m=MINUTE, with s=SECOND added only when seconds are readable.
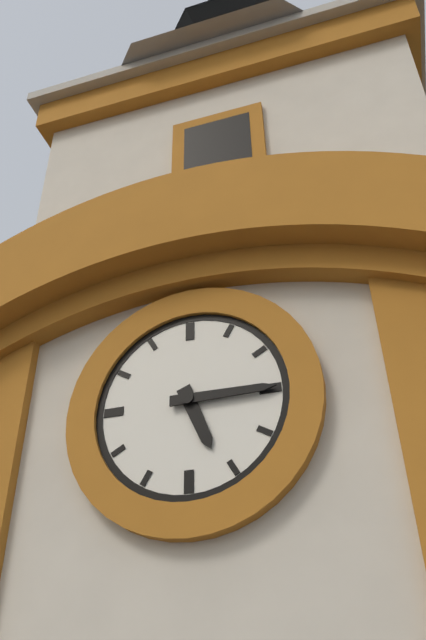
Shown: h=5 m=15
